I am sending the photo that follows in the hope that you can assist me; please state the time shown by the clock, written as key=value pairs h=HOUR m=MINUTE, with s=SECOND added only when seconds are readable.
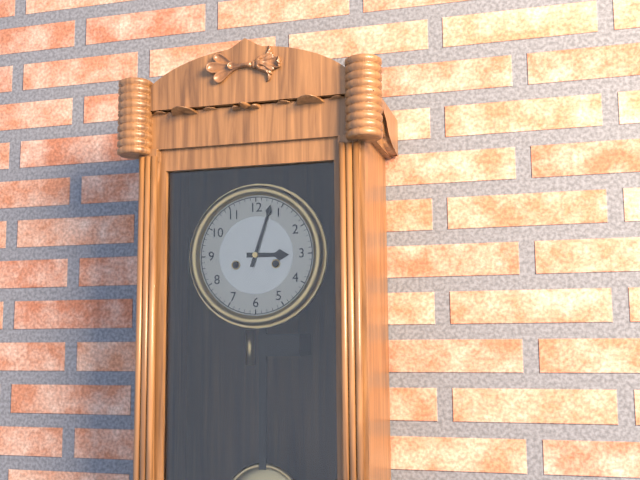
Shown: h=3 m=3
